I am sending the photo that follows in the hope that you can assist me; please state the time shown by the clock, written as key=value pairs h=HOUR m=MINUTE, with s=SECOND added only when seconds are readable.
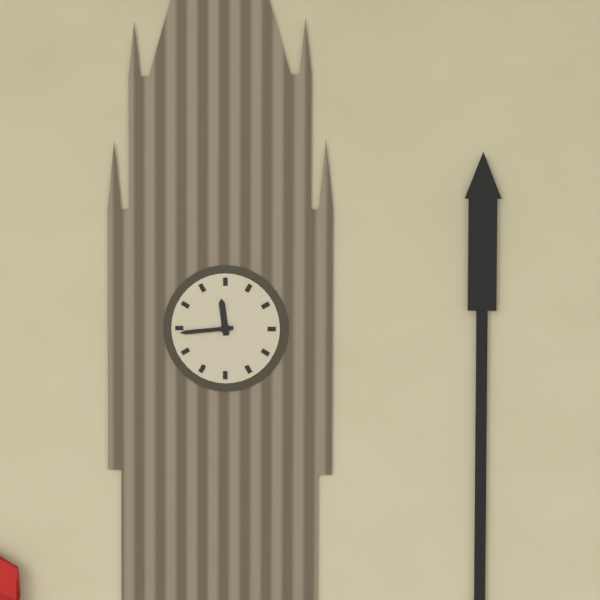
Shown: h=11 m=44
